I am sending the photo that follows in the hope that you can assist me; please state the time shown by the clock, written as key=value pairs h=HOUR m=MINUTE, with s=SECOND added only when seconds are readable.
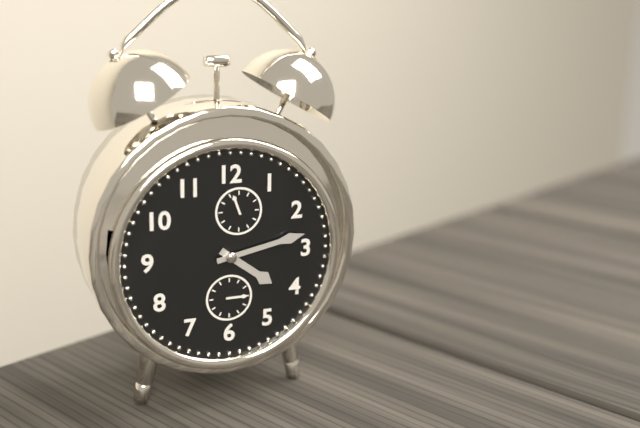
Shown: h=4 m=13
